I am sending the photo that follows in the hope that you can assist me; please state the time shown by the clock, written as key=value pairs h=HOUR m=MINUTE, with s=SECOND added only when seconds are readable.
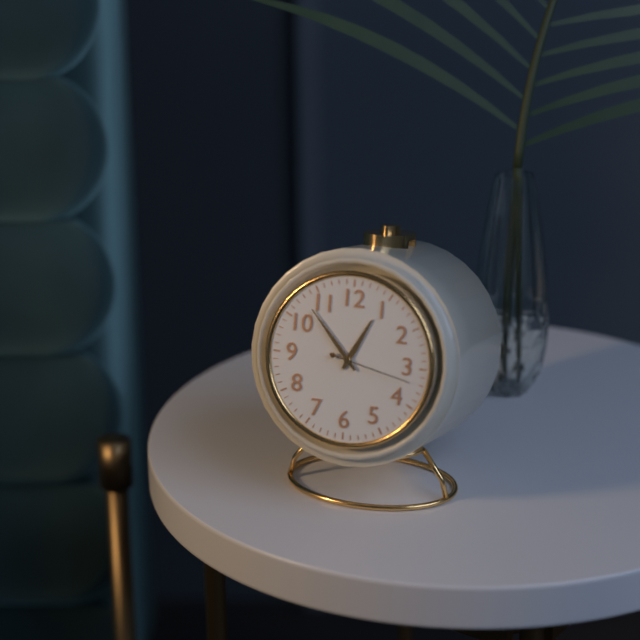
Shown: h=12 m=53 s=17
